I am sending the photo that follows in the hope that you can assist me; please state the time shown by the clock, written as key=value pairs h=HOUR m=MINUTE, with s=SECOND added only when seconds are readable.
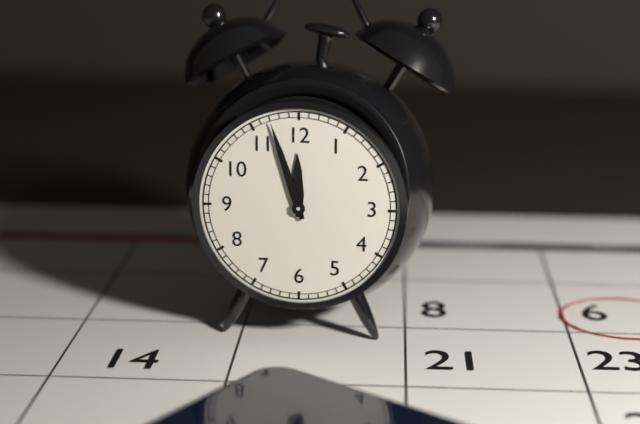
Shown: h=11 m=57
